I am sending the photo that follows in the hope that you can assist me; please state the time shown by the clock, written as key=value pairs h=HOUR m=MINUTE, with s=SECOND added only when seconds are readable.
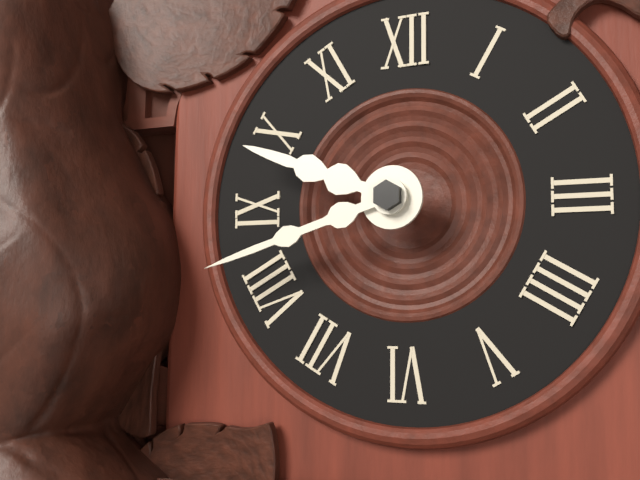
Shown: h=9 m=42
